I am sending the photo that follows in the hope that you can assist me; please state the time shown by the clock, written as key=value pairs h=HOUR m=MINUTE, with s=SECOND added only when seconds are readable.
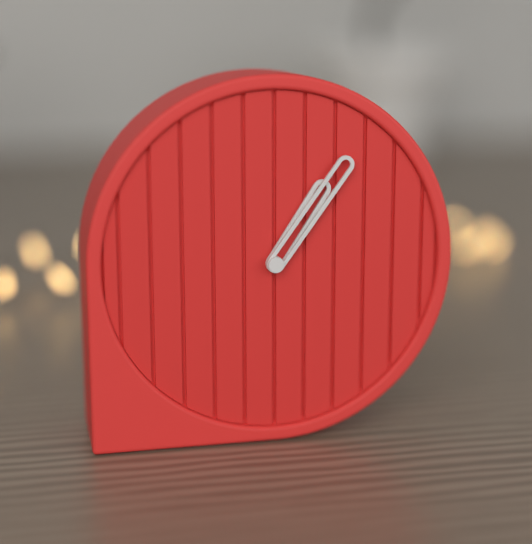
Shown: h=1 m=6
